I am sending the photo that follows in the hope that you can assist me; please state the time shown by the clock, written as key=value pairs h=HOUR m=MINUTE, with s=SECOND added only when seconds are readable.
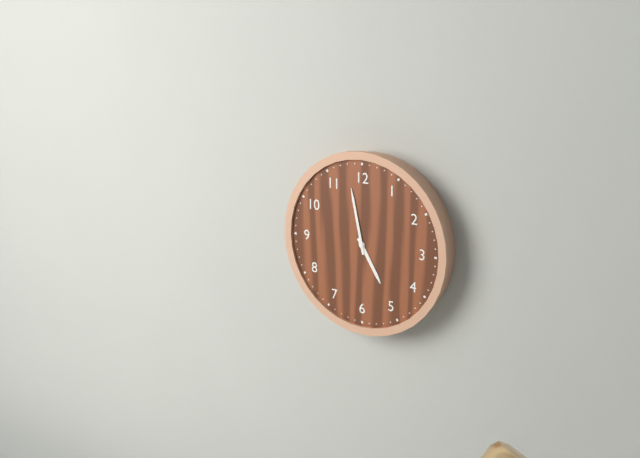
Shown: h=4 m=58
